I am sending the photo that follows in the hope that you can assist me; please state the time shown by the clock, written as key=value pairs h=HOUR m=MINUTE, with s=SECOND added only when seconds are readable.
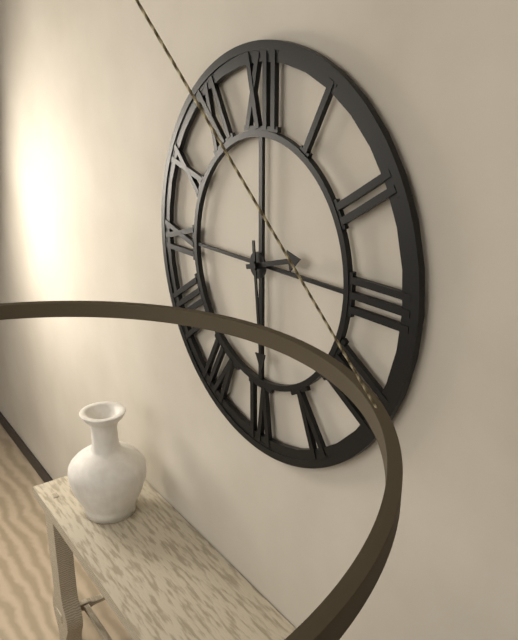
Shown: h=2 m=29
